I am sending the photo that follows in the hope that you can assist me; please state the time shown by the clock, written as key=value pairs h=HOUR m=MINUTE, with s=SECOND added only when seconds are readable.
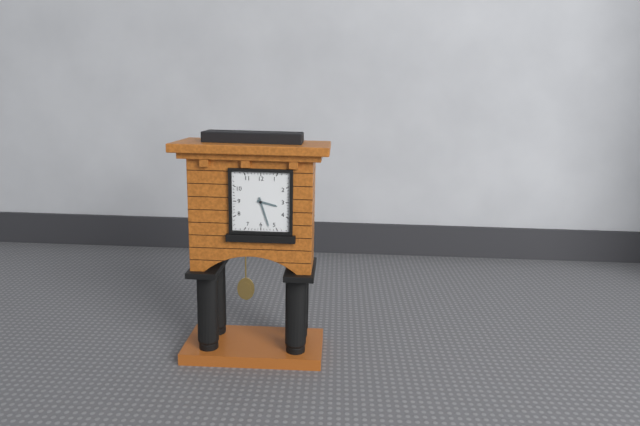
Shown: h=3 m=27
